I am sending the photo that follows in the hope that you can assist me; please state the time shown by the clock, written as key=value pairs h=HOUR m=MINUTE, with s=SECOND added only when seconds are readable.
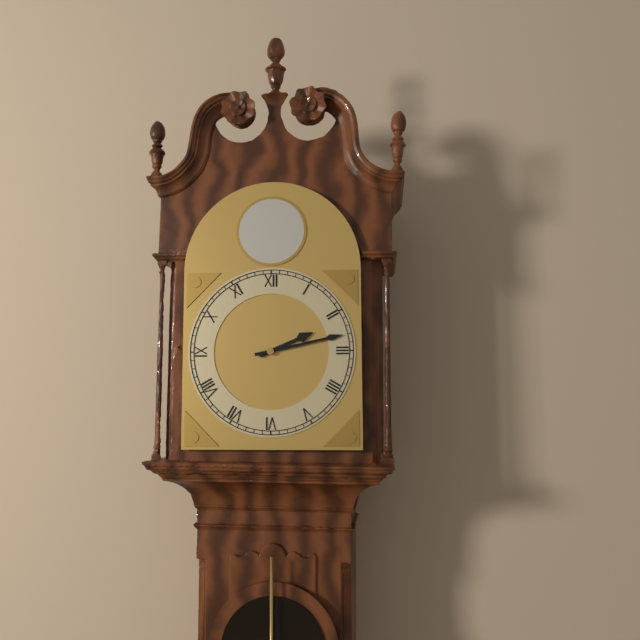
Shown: h=2 m=13
